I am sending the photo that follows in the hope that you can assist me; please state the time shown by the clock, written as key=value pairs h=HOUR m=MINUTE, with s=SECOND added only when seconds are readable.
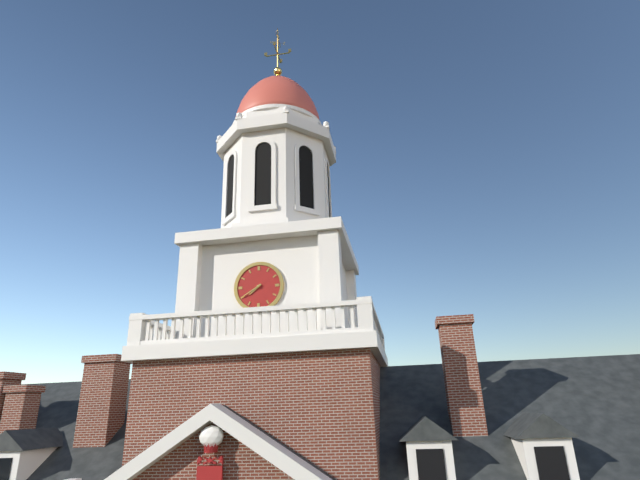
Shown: h=7 m=40
